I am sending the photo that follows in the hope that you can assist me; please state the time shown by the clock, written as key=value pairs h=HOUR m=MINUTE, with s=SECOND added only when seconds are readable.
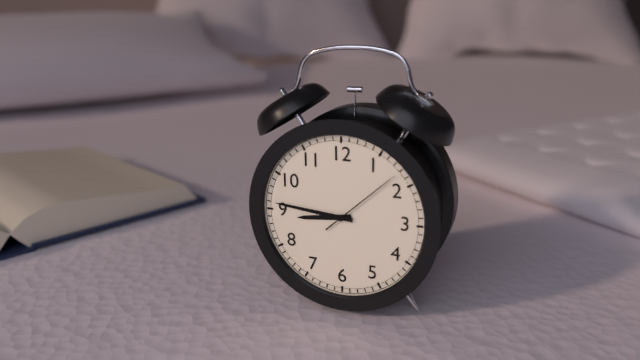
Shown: h=8 m=46 s=8
